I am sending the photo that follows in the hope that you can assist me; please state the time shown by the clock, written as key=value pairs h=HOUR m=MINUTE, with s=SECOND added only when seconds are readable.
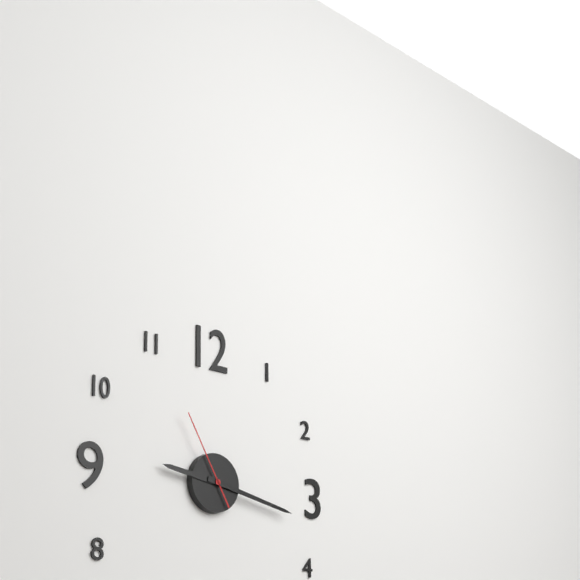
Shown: h=9 m=17 s=55
